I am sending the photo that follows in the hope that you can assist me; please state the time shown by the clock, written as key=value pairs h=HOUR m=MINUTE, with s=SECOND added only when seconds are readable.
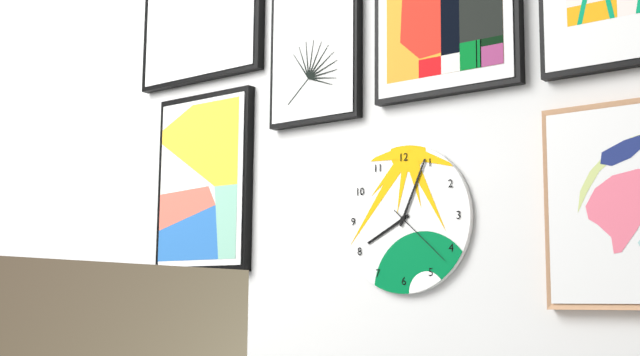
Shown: h=8 m=4 s=22
